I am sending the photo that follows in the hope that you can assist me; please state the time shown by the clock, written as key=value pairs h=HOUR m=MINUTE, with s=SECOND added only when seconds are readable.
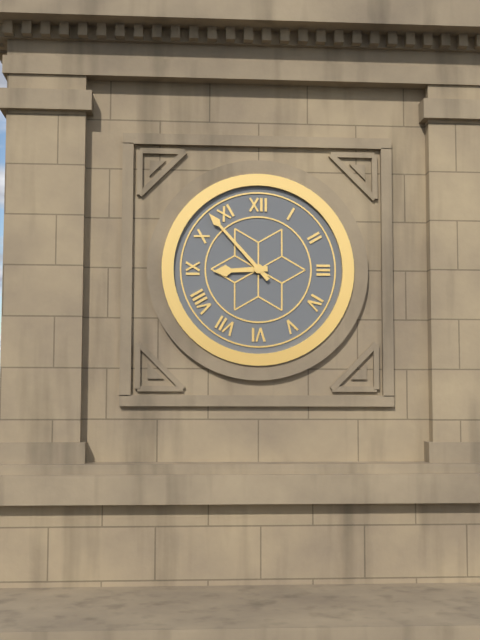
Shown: h=8 m=53
